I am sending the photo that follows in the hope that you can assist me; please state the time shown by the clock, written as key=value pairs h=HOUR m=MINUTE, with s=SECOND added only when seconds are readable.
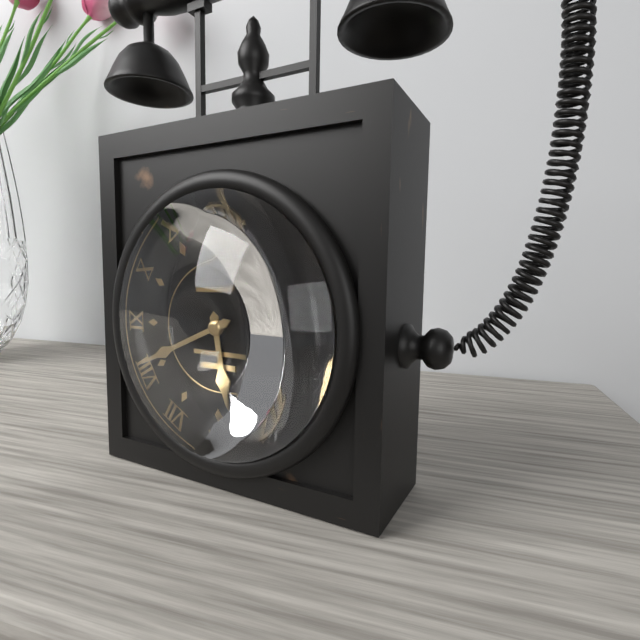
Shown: h=5 m=41
